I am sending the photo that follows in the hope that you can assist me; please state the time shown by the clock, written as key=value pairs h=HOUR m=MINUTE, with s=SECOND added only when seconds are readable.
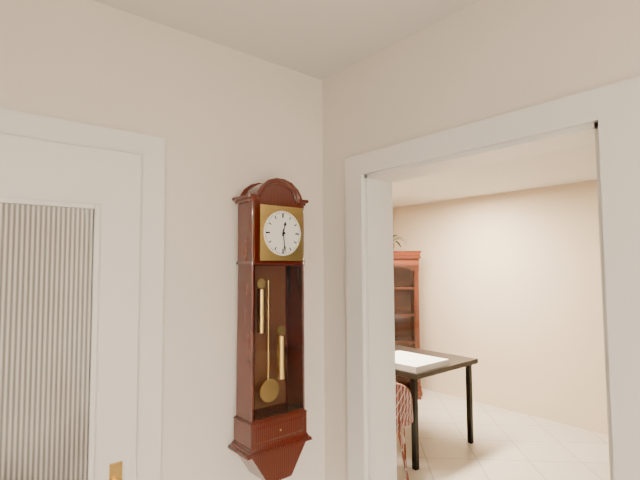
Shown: h=12 m=29
